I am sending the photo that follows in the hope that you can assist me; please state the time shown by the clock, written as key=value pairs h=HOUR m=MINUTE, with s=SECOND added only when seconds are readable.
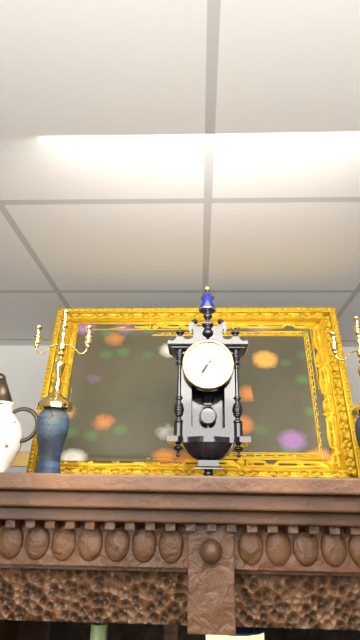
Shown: h=7 m=8
